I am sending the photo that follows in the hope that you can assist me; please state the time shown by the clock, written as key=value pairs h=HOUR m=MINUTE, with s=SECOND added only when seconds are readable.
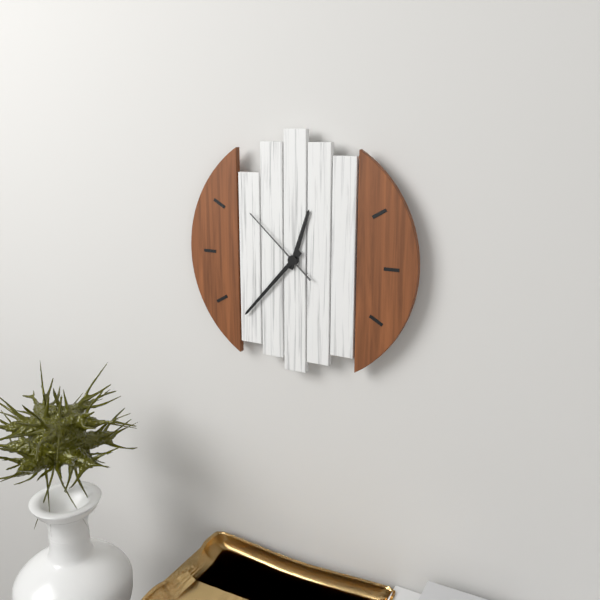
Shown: h=12 m=37 s=52
